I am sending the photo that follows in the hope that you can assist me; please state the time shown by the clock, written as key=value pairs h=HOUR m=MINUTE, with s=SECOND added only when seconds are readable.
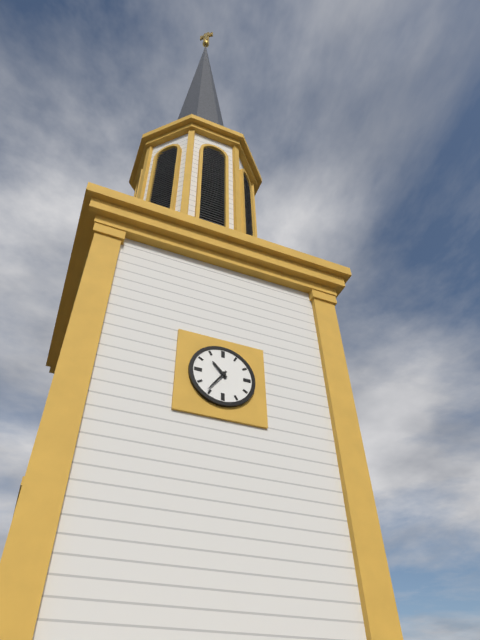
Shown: h=10 m=36
